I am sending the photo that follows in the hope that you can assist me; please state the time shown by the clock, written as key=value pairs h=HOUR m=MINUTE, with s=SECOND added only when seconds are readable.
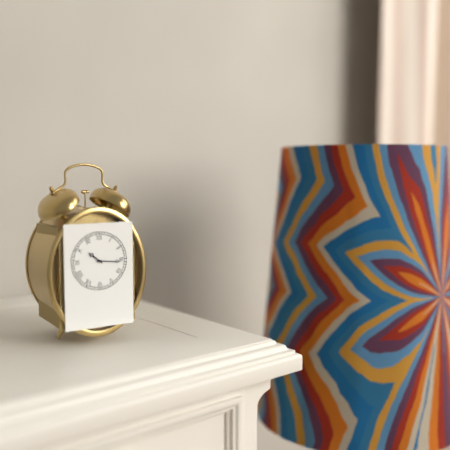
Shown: h=10 m=16
